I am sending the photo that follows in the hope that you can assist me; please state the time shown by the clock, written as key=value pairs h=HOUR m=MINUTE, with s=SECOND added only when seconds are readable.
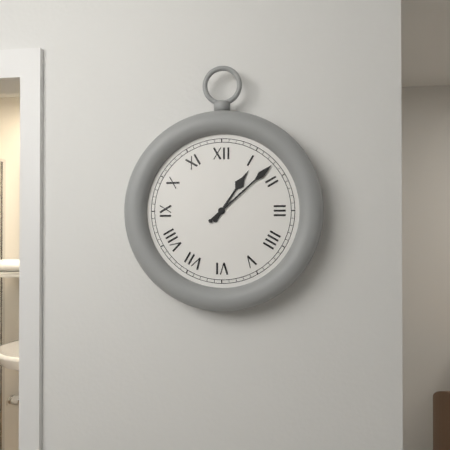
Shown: h=1 m=8
